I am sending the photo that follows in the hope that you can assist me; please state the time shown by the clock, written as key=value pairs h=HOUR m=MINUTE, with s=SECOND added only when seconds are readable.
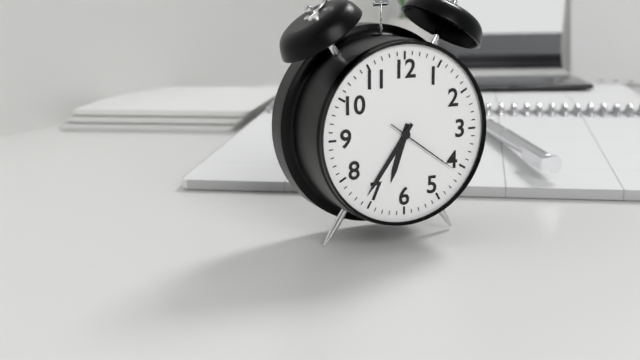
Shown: h=6 m=36 s=21
